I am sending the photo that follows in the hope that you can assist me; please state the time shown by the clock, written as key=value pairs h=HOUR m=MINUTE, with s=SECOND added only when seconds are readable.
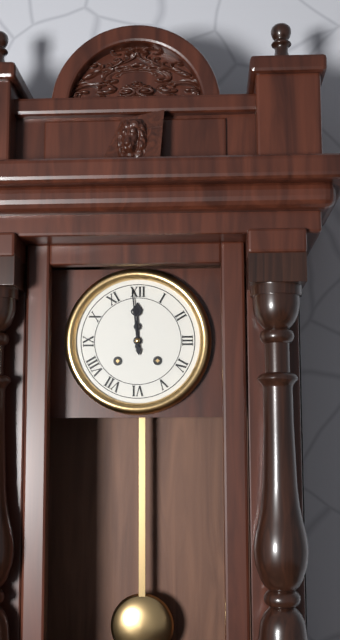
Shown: h=11 m=59
